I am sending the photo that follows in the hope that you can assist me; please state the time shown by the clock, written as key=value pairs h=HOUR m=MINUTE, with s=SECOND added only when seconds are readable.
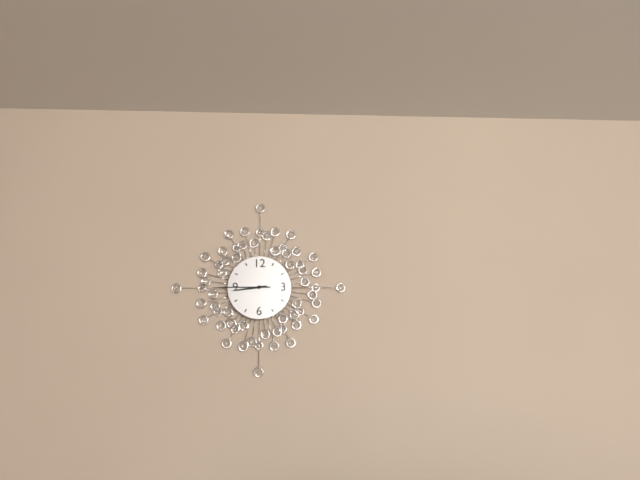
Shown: h=8 m=45
